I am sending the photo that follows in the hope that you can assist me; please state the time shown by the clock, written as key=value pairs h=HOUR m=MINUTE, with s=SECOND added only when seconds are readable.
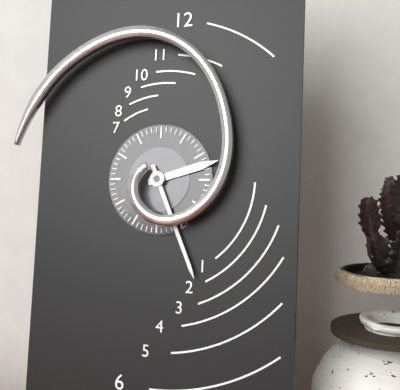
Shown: h=2 m=26
